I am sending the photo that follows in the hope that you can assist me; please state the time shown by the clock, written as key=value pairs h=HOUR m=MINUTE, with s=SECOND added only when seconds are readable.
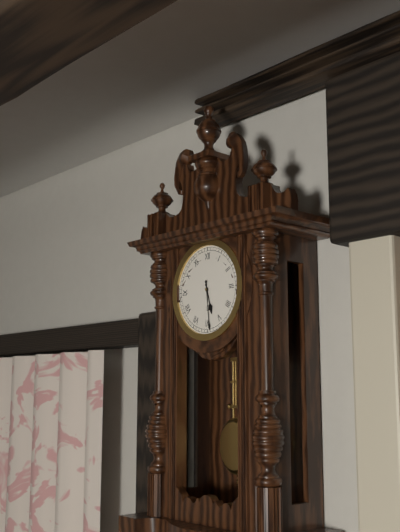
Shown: h=5 m=29
